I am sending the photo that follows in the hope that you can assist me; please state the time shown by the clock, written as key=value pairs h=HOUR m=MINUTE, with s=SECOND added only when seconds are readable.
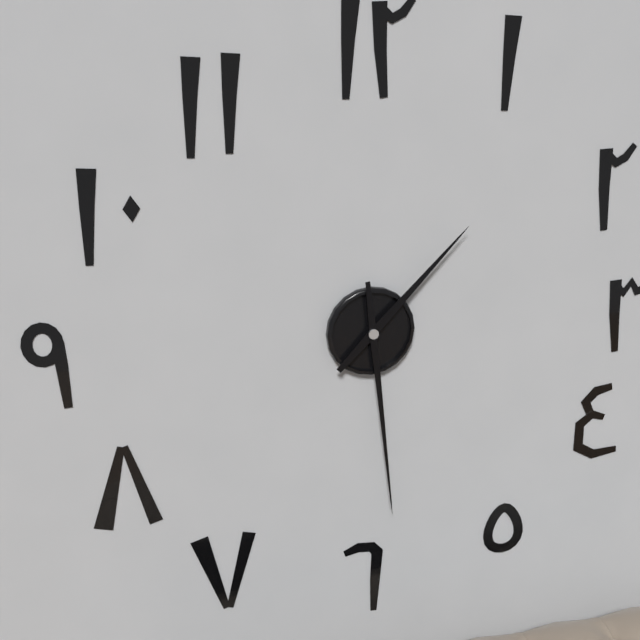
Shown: h=1 m=29
